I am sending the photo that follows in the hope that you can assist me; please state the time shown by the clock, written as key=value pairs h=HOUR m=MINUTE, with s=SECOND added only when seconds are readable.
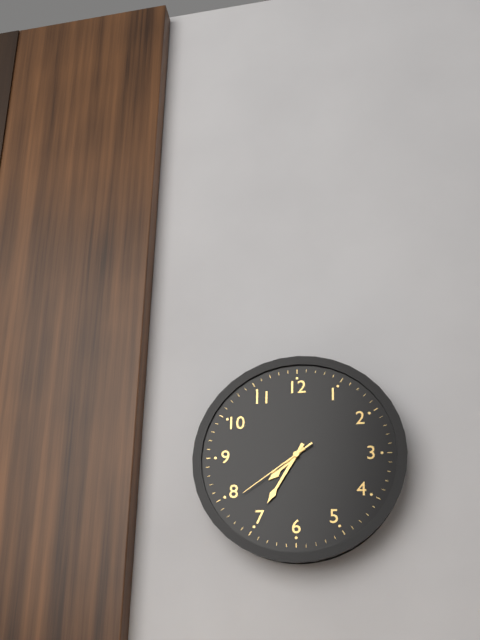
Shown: h=7 m=35 s=39
